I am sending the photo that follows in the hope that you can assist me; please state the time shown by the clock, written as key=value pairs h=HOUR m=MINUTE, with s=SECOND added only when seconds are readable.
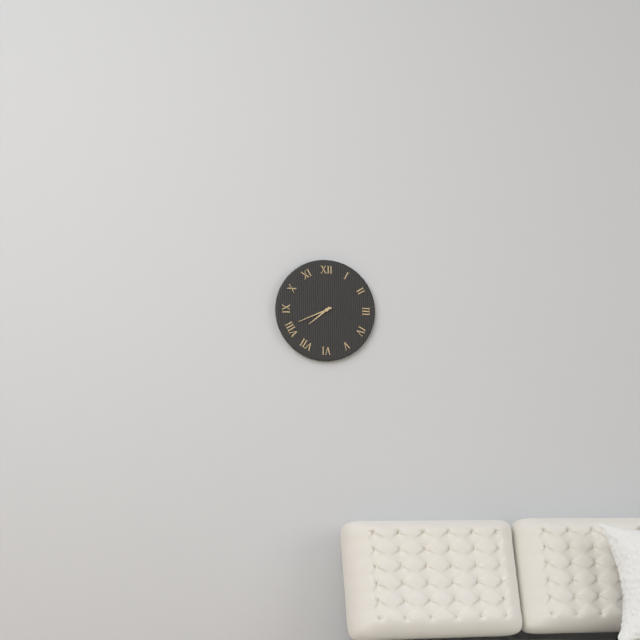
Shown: h=7 m=41
